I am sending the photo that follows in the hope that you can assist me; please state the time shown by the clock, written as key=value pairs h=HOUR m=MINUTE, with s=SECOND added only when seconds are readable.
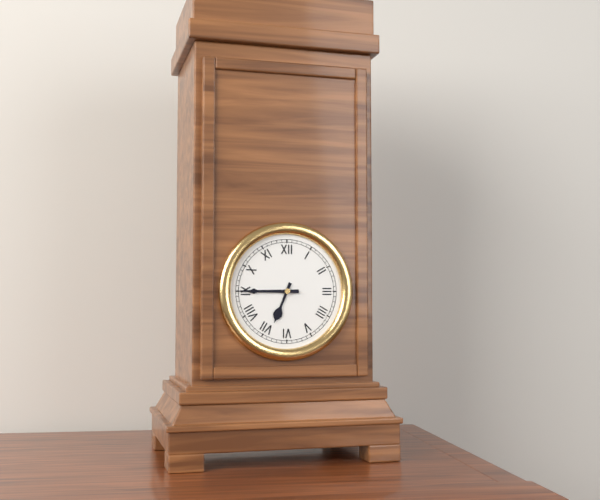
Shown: h=6 m=45
